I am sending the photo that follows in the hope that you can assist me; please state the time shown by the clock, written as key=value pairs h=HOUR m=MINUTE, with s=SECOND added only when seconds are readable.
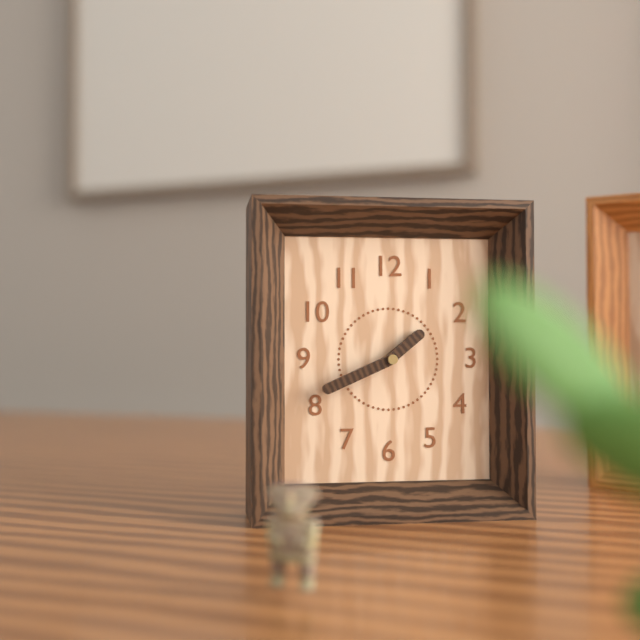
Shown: h=1 m=41
